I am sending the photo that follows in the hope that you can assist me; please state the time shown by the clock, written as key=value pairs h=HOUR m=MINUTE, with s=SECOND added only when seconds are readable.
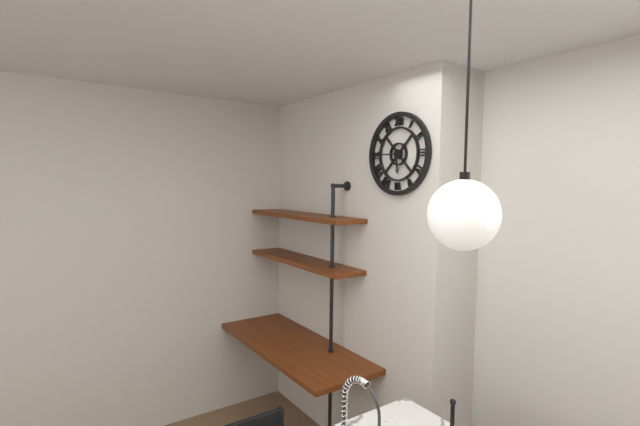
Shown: h=5 m=45
